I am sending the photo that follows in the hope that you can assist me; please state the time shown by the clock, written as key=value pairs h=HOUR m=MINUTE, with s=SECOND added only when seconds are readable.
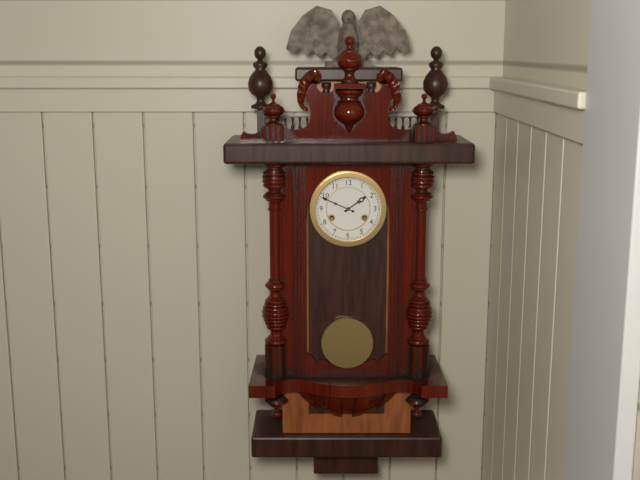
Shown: h=1 m=49
